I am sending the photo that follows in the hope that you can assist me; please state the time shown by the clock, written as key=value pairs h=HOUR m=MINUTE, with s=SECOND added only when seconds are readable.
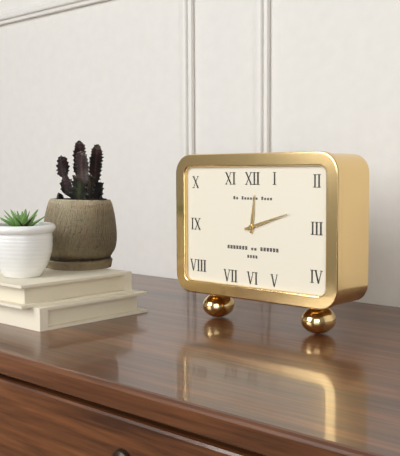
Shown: h=12 m=12
